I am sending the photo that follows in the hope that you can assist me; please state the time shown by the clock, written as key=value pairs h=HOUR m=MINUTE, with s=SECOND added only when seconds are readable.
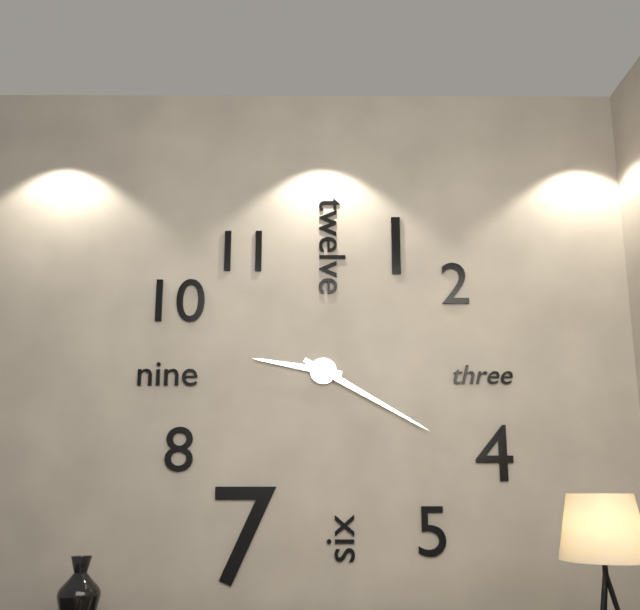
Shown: h=9 m=20
